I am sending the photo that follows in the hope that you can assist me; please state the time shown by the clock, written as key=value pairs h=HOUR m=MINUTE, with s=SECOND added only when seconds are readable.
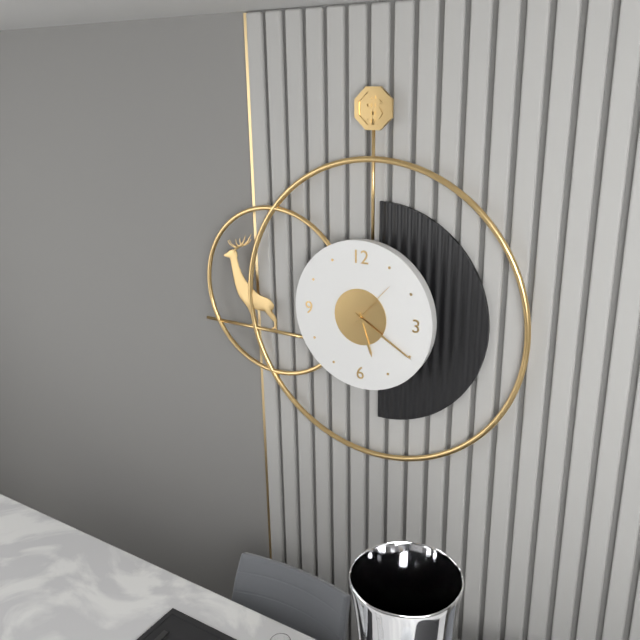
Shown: h=5 m=20 s=7
